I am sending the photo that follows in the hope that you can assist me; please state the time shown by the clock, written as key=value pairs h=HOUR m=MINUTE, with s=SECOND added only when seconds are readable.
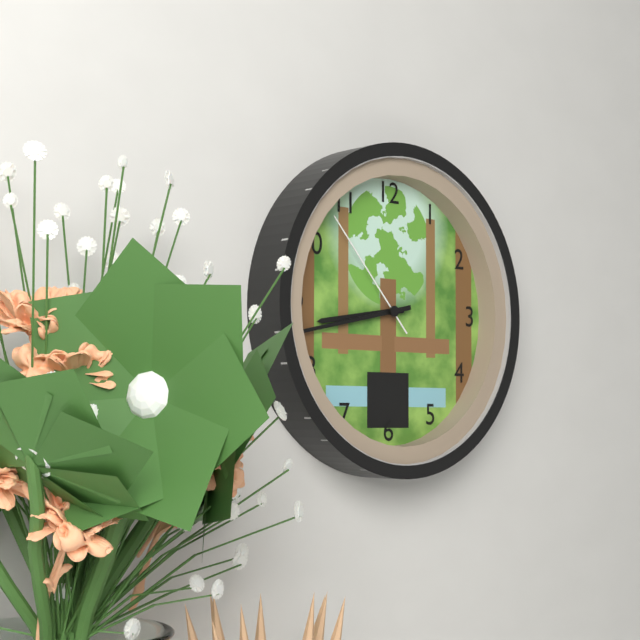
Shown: h=8 m=43 s=53
